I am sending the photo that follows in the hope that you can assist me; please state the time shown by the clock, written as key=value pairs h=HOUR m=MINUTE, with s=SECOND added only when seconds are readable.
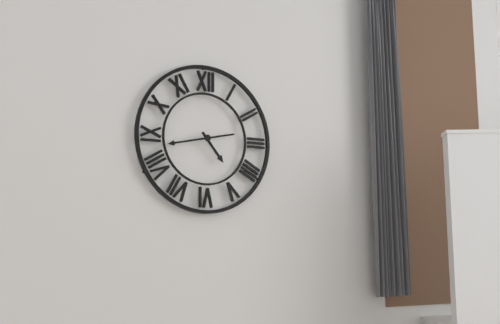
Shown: h=4 m=43
